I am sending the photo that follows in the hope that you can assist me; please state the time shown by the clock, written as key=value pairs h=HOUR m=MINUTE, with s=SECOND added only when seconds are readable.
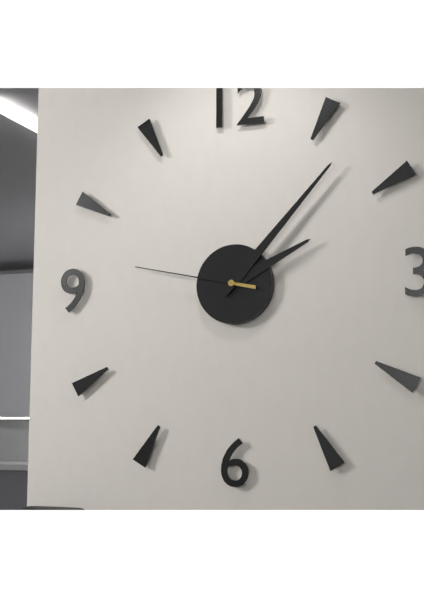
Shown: h=2 m=7 s=47
